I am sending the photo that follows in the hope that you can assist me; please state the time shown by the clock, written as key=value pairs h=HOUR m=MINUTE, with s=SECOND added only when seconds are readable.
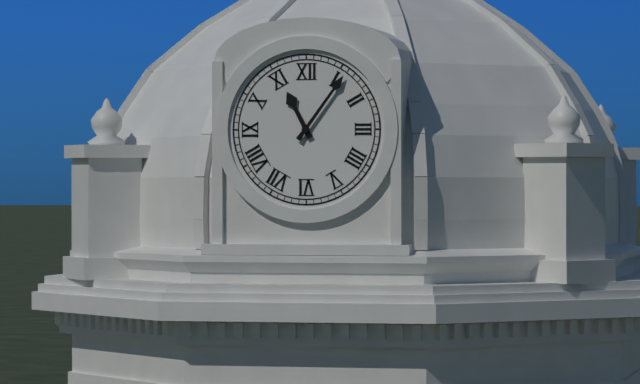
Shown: h=11 m=6
